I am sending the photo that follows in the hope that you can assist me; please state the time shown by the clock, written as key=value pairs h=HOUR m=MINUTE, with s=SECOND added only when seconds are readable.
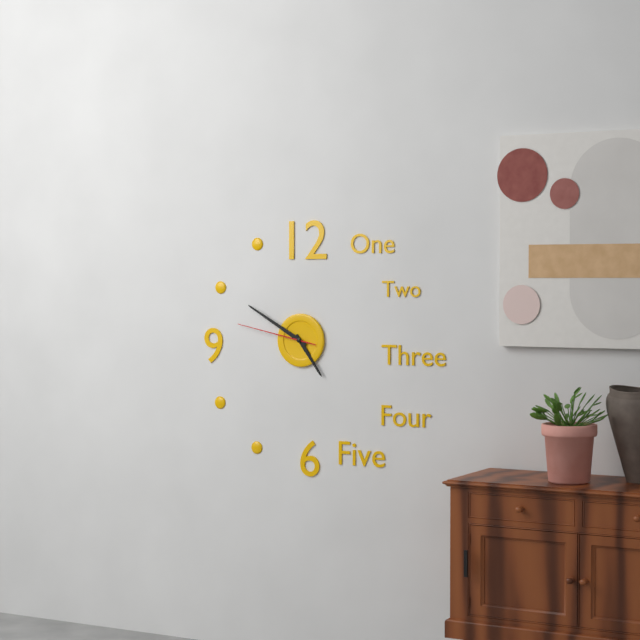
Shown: h=4 m=50 s=47
